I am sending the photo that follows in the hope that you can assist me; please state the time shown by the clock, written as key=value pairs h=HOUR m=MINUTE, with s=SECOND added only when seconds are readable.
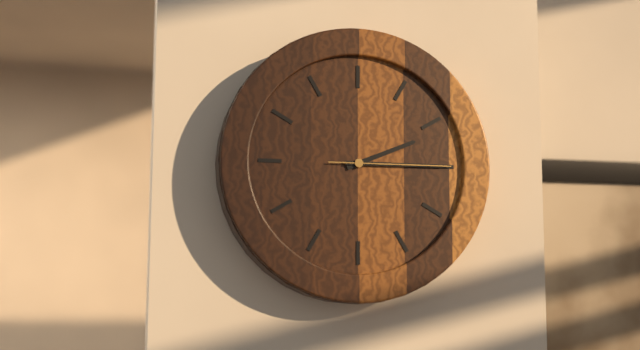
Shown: h=2 m=15 s=15
